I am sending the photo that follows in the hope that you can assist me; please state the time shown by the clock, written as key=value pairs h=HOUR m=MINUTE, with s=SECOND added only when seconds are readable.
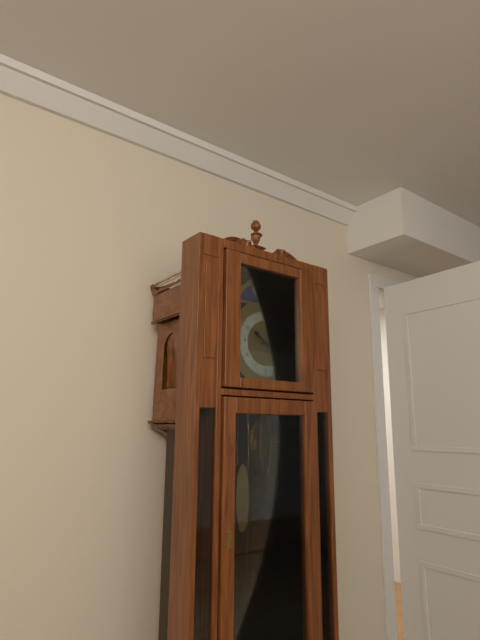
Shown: h=10 m=14
